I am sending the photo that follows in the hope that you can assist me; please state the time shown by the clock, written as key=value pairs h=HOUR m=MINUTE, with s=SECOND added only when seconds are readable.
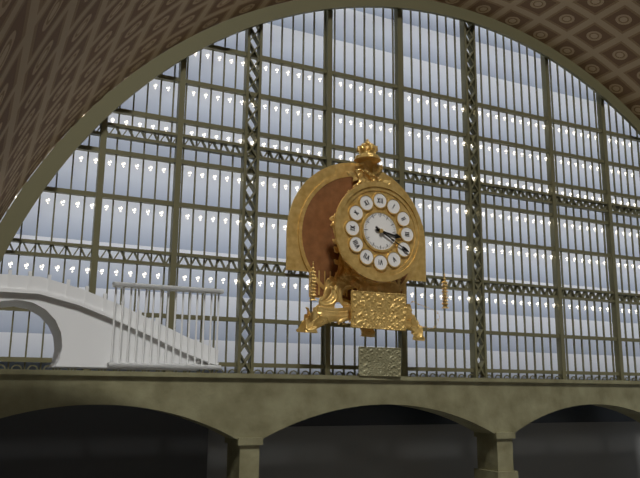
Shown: h=3 m=20
